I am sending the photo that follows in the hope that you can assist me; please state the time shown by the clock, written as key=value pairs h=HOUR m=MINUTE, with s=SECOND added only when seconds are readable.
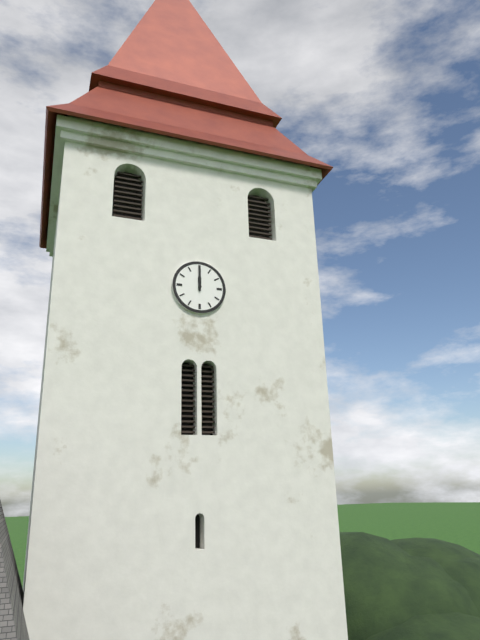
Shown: h=12 m=0
